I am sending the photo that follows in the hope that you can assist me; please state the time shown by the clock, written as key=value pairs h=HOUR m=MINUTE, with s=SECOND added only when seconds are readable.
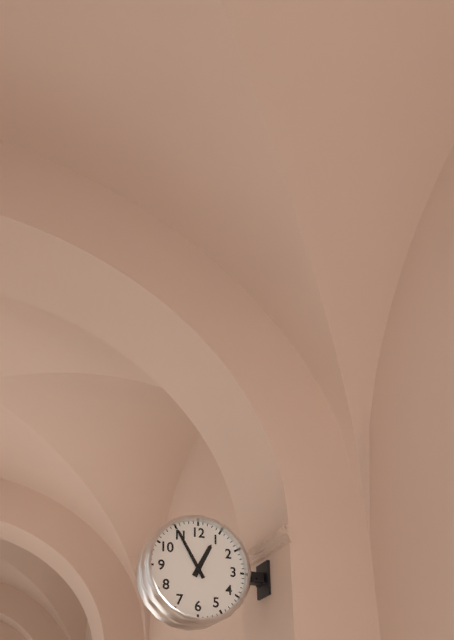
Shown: h=12 m=55
